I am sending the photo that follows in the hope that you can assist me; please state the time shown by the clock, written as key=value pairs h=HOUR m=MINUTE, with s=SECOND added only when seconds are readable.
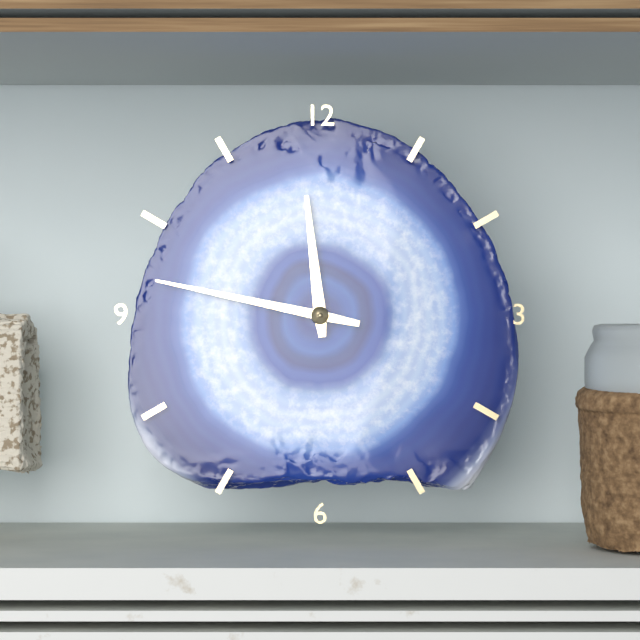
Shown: h=11 m=47
